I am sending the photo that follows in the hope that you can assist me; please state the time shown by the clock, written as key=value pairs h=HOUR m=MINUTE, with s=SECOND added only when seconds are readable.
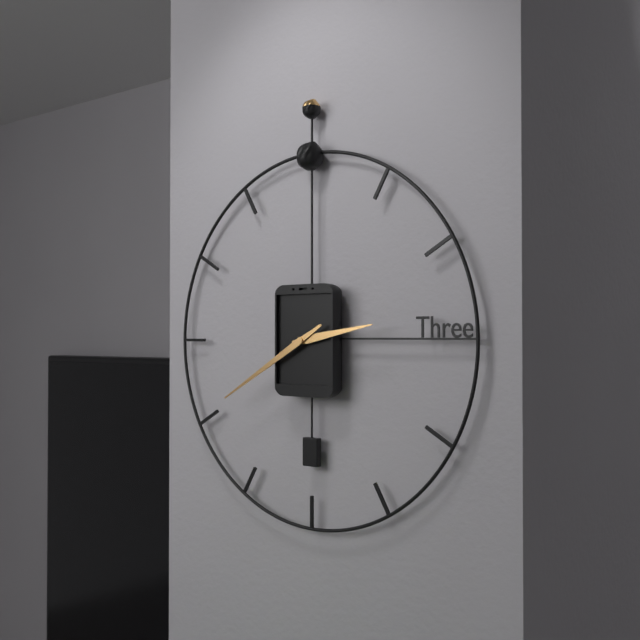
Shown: h=2 m=40
